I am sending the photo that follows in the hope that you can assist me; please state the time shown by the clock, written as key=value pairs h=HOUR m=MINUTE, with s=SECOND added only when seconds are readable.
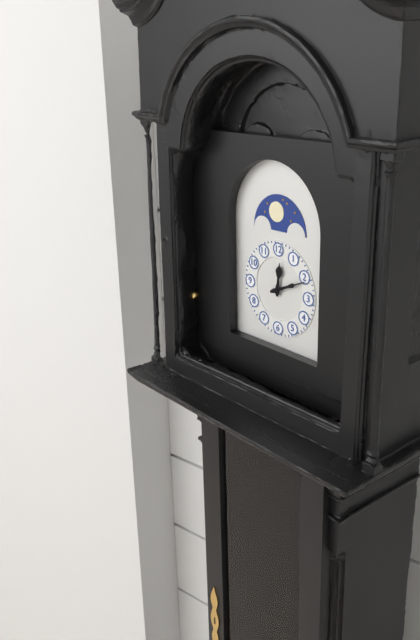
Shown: h=12 m=11
